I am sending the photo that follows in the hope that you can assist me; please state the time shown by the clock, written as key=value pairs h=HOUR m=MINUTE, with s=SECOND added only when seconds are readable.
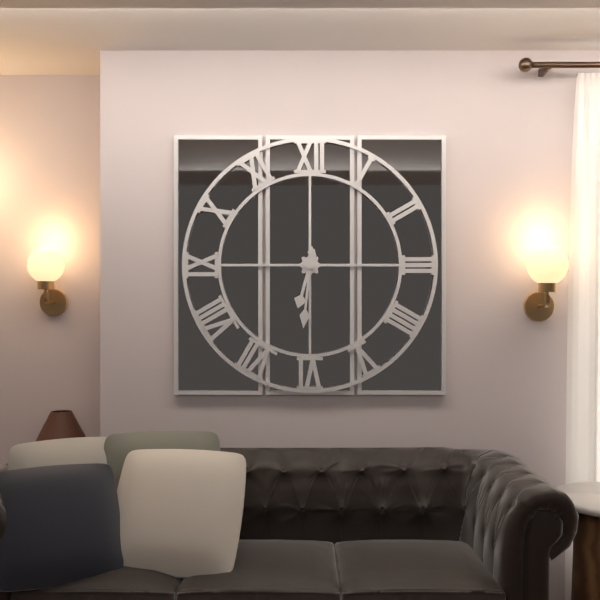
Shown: h=6 m=31
